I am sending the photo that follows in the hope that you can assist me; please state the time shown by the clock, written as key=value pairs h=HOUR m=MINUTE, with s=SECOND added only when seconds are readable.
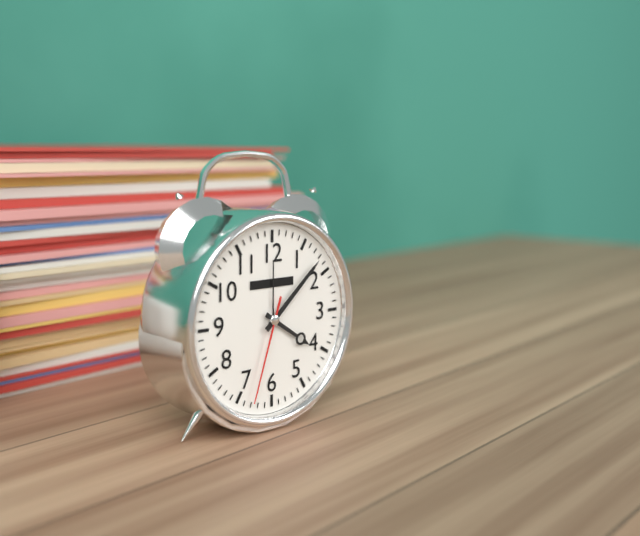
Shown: h=4 m=8 s=33
